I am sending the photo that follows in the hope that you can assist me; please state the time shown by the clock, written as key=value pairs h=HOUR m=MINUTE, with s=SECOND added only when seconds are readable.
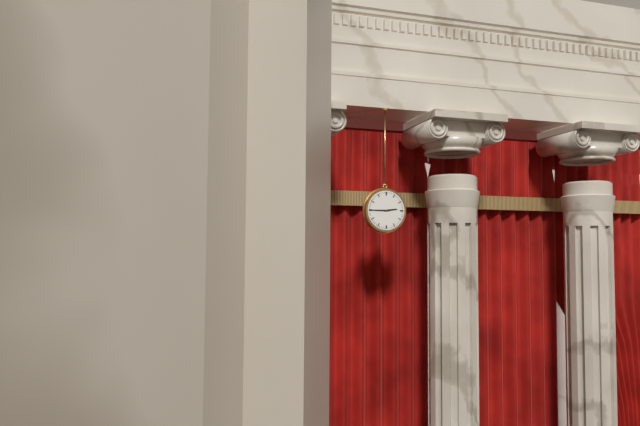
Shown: h=2 m=45
